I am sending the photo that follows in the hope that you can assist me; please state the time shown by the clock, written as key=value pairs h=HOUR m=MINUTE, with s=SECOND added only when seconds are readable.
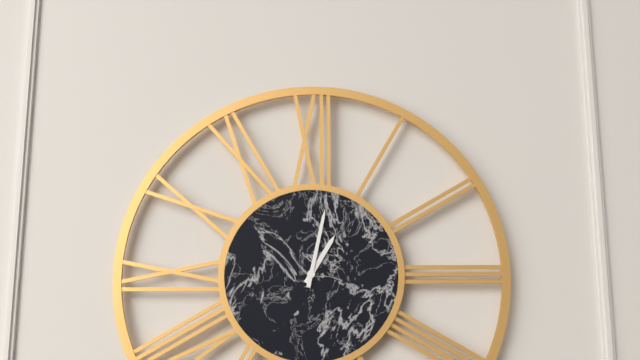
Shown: h=1 m=2
